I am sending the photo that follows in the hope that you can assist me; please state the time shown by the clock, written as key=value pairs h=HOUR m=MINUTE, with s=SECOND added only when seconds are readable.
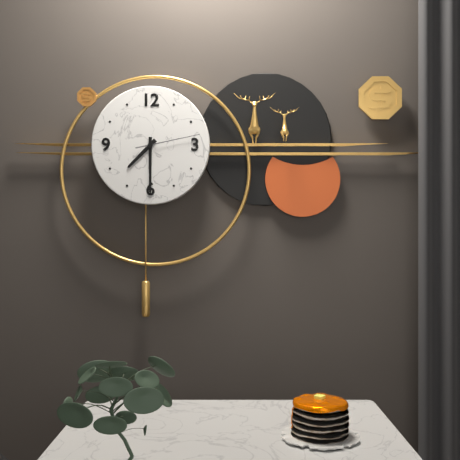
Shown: h=7 m=30 s=13
